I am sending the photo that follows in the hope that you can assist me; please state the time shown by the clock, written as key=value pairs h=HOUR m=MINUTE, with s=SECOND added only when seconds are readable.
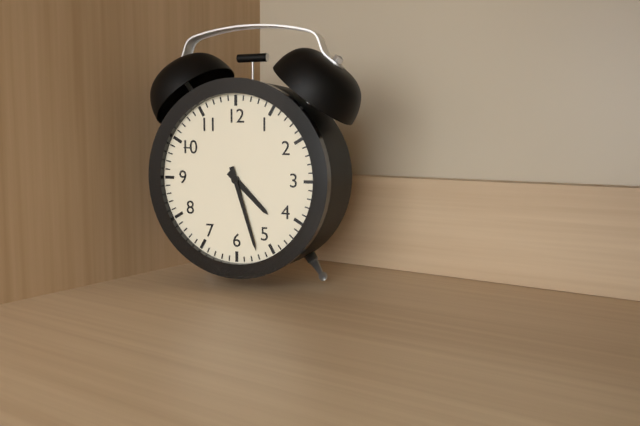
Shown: h=4 m=27
